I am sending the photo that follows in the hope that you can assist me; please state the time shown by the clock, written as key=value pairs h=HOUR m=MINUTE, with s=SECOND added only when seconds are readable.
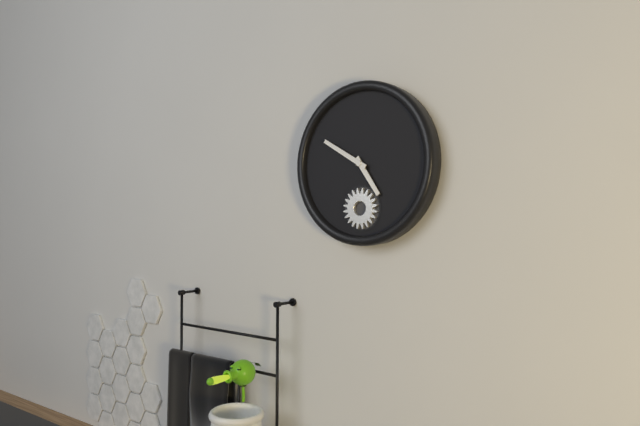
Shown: h=4 m=50
